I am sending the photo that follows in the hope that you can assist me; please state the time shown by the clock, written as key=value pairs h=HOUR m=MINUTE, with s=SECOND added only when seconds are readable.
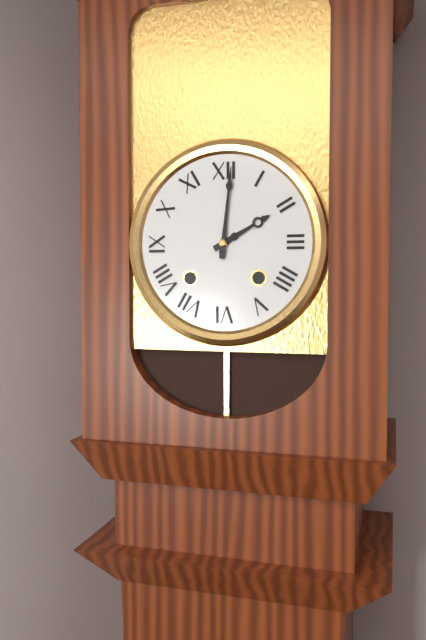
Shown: h=2 m=1
